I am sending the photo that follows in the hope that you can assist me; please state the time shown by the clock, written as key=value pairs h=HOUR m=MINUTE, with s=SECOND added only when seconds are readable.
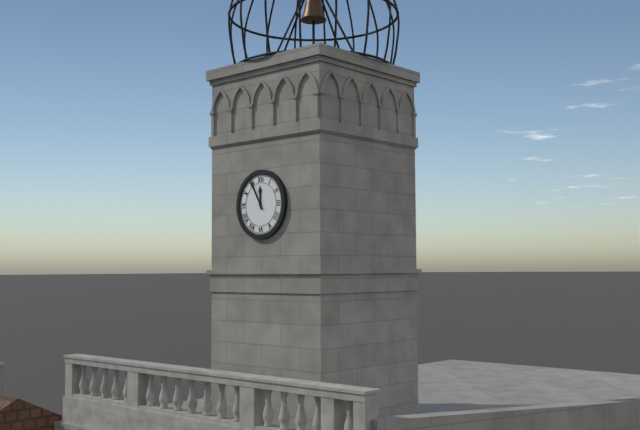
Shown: h=11 m=55
